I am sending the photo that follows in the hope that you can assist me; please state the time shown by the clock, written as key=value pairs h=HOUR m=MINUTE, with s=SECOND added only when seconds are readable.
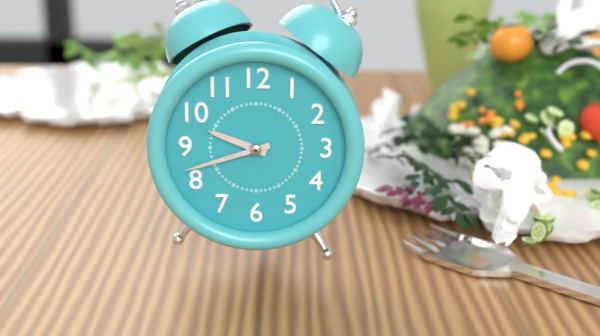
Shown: h=9 m=42
